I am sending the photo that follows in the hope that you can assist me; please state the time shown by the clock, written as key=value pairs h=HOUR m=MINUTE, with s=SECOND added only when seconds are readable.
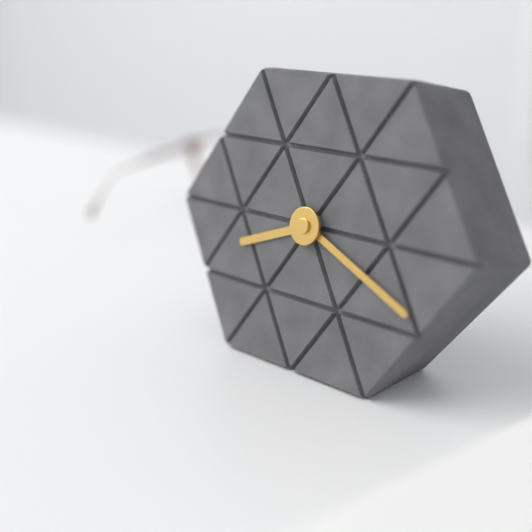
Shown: h=8 m=19
